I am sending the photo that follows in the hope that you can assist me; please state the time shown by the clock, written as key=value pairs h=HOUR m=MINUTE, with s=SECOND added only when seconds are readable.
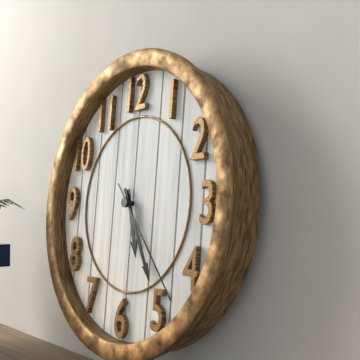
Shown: h=5 m=25 s=23
